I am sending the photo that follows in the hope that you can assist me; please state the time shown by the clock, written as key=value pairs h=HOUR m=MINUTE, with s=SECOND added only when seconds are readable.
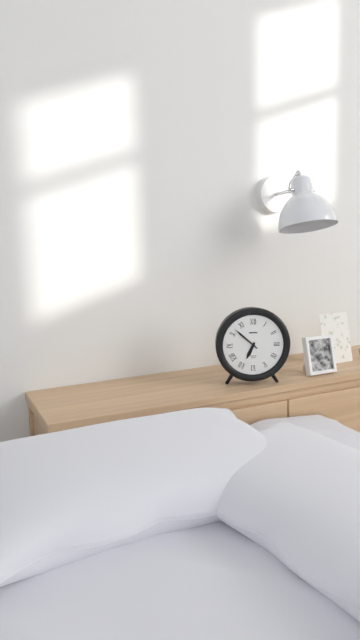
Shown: h=6 m=52
